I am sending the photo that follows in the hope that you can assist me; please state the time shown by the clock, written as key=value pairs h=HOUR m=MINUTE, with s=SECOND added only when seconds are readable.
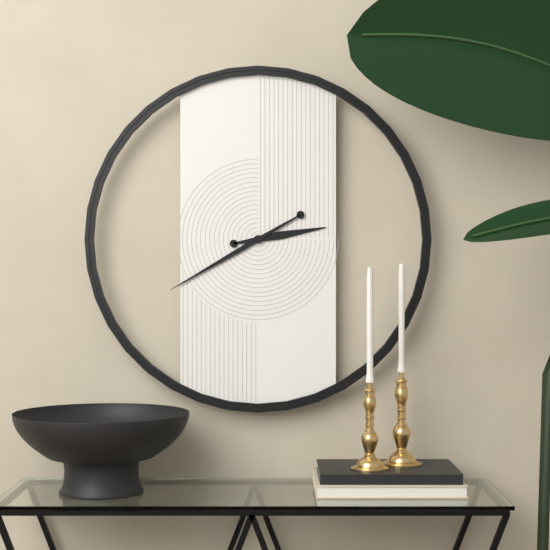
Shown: h=2 m=40
